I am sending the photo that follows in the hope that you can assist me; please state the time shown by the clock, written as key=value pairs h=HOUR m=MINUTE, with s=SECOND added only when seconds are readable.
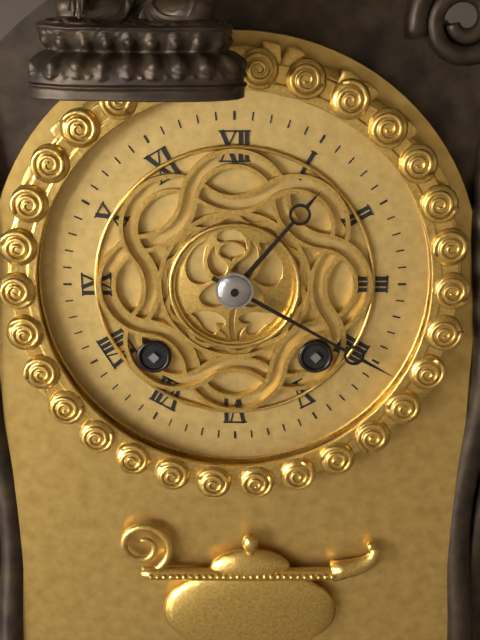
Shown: h=1 m=20
